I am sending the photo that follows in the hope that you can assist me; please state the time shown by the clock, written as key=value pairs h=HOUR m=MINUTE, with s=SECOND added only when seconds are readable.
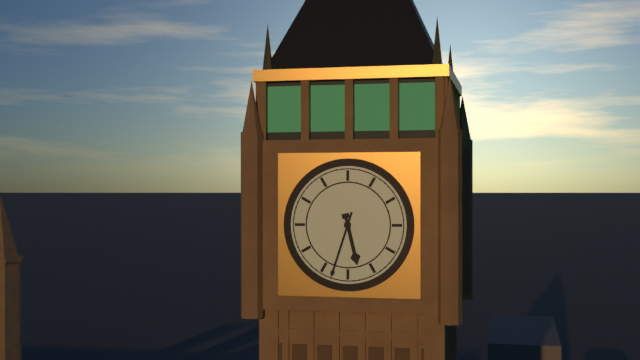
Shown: h=5 m=33
